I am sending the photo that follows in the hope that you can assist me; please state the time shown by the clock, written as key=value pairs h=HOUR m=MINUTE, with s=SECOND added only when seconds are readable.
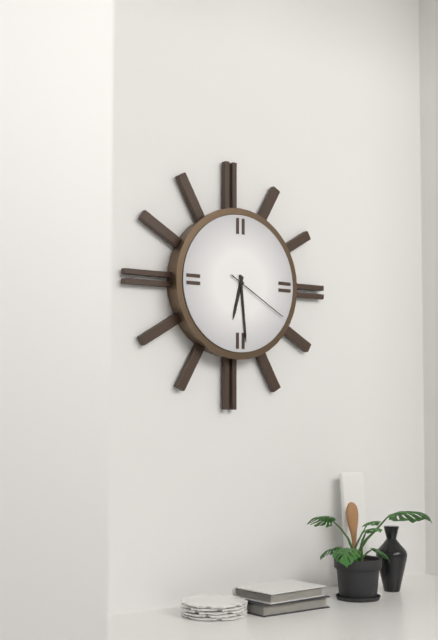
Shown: h=6 m=29 s=20
